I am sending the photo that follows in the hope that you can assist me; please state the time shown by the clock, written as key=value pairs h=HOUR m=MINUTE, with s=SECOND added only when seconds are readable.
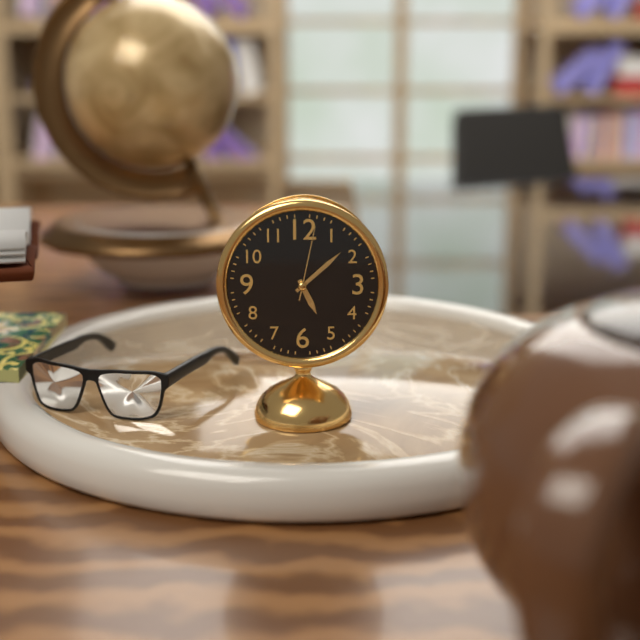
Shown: h=5 m=8 s=2
